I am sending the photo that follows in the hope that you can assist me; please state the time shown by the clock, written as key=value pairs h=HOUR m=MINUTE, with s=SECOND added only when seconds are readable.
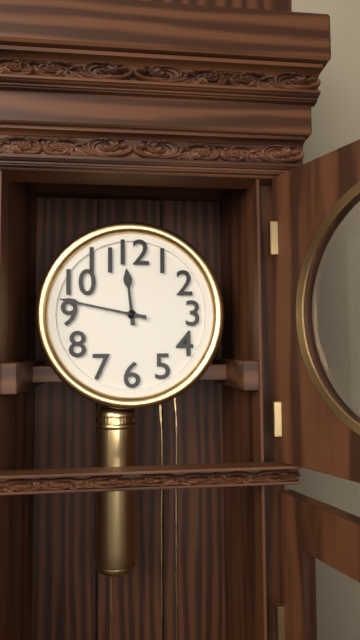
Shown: h=11 m=47
